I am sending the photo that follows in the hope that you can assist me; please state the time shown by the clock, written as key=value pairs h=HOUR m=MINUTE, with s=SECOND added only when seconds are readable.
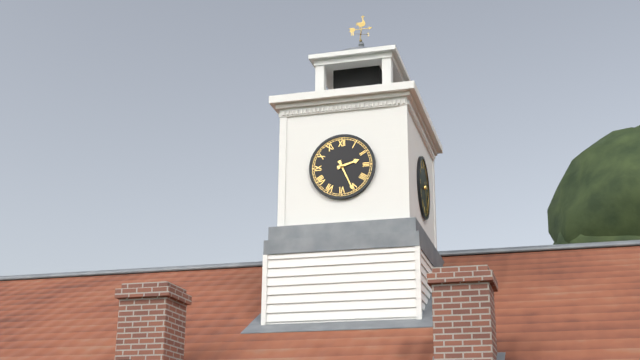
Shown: h=2 m=26
